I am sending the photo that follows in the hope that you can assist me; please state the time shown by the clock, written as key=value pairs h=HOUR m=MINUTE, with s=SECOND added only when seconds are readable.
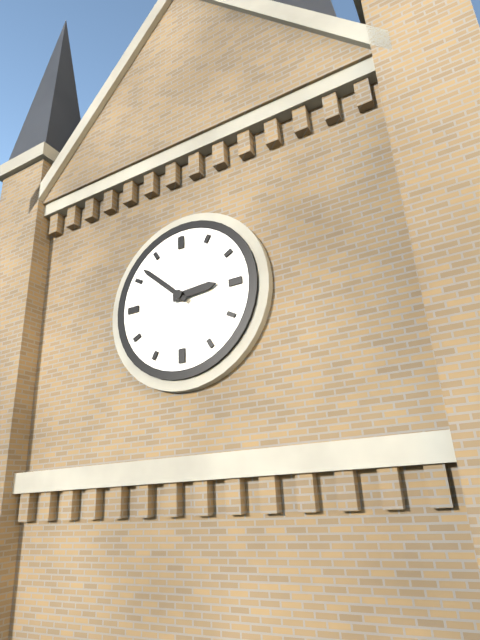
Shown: h=2 m=52
